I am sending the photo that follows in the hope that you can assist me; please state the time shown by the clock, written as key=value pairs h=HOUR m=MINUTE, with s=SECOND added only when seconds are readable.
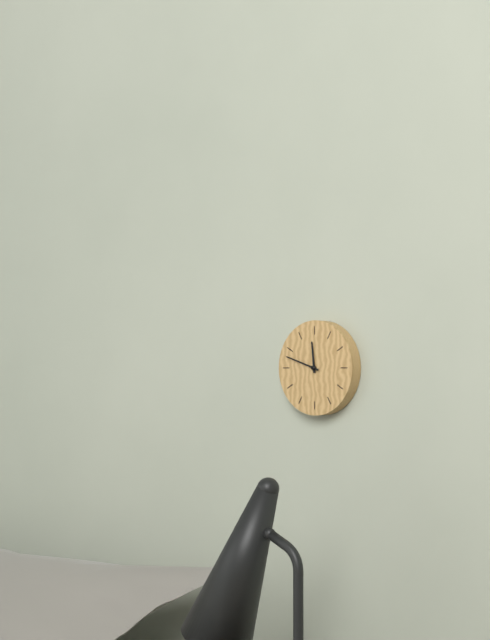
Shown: h=11 m=48
